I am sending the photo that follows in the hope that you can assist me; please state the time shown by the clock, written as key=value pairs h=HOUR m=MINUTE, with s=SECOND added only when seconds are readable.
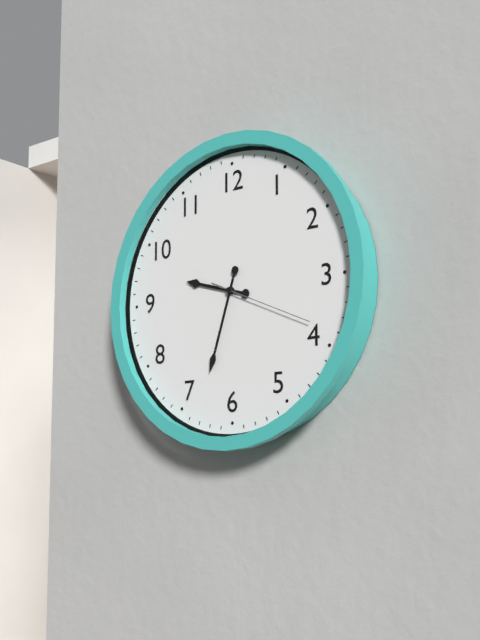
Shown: h=9 m=33 s=19
